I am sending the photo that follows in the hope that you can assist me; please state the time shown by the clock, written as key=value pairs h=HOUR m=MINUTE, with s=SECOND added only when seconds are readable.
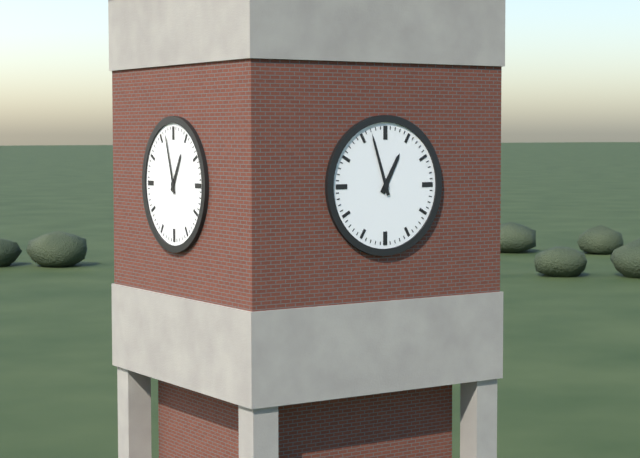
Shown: h=12 m=57
